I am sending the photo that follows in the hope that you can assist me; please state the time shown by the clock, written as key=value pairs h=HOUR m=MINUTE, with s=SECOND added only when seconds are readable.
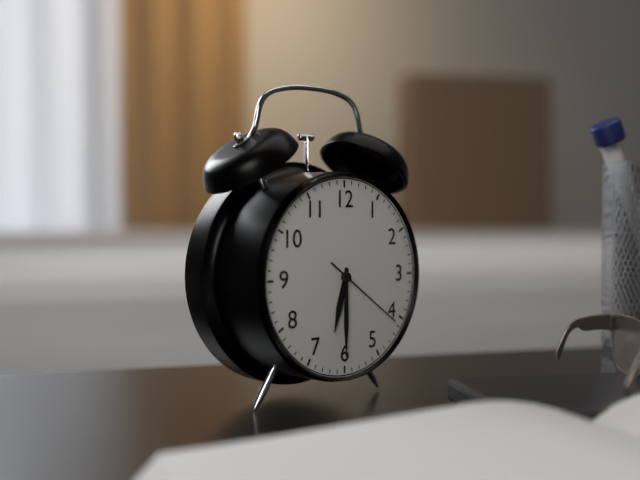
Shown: h=6 m=30 s=21
